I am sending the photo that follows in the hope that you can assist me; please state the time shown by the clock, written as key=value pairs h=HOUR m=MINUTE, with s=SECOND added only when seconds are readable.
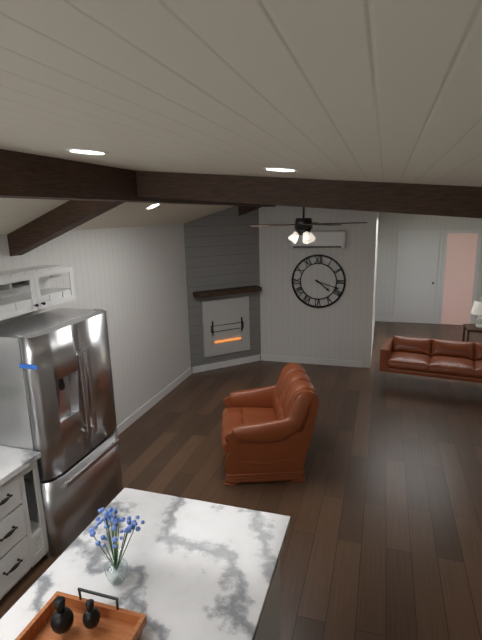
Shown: h=4 m=18
